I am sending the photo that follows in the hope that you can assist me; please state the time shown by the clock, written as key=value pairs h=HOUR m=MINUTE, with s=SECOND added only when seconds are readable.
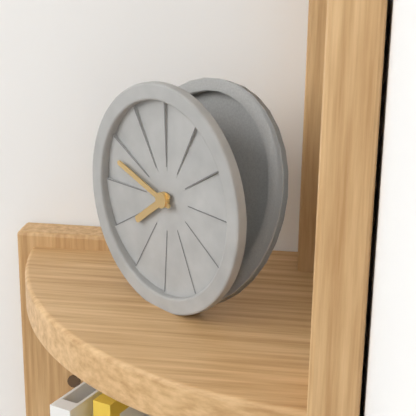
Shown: h=7 m=48
